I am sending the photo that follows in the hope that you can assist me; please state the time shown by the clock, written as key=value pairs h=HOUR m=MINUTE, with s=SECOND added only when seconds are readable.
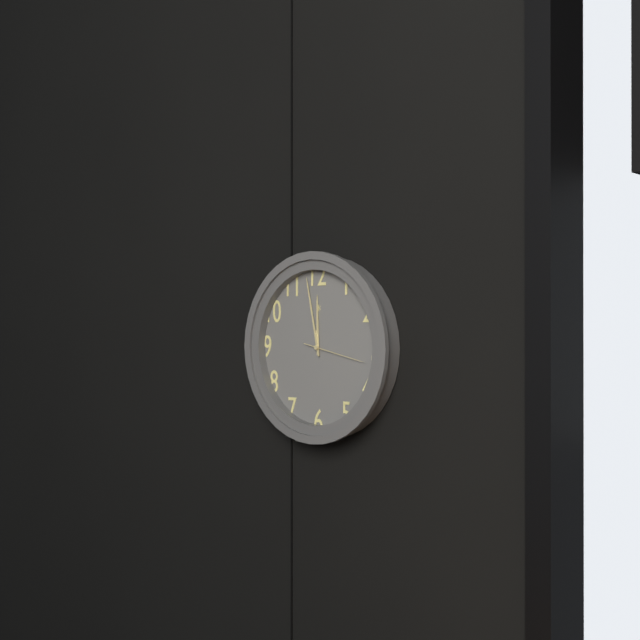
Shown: h=11 m=58 s=17
